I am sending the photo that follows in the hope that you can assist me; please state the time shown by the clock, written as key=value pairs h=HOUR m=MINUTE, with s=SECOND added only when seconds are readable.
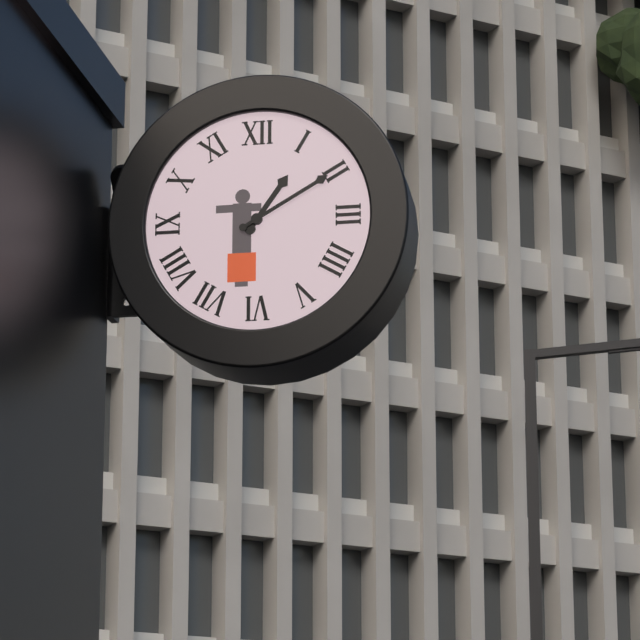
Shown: h=1 m=10
